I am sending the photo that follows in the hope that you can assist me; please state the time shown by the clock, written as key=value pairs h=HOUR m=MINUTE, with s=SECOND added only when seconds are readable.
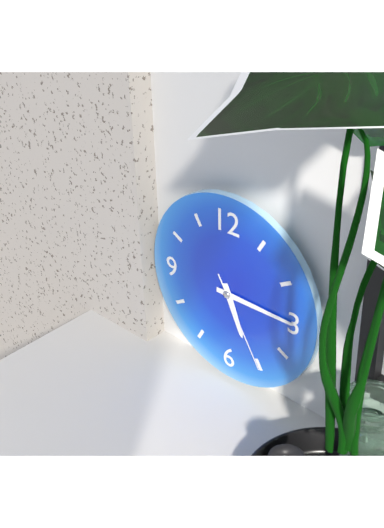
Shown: h=5 m=15 s=25
